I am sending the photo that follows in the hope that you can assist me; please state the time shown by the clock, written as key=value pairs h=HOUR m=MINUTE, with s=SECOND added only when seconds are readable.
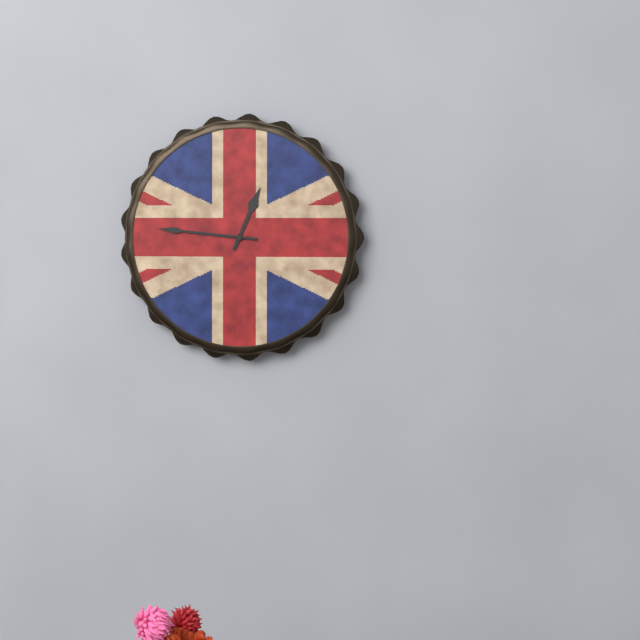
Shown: h=12 m=46
